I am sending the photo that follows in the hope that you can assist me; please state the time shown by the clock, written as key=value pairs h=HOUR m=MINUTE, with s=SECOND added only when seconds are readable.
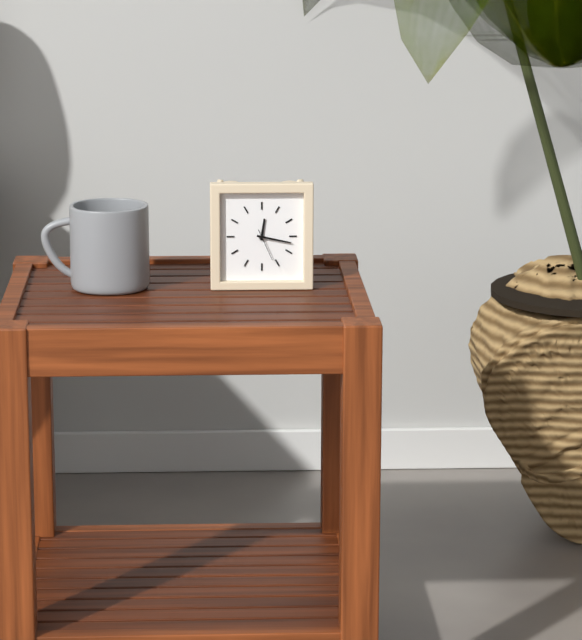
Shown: h=12 m=17
